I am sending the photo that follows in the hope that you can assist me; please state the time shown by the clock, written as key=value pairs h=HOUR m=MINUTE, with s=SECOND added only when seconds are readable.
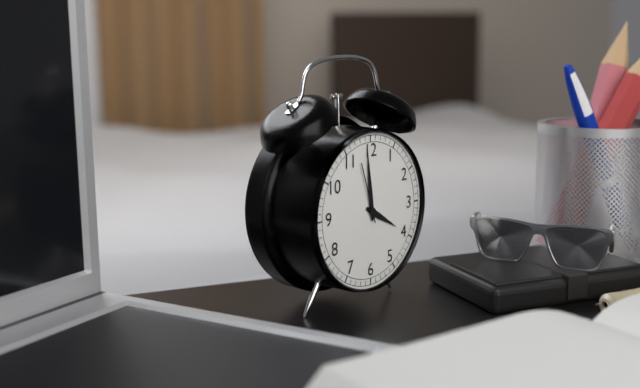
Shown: h=3 m=59 s=57
